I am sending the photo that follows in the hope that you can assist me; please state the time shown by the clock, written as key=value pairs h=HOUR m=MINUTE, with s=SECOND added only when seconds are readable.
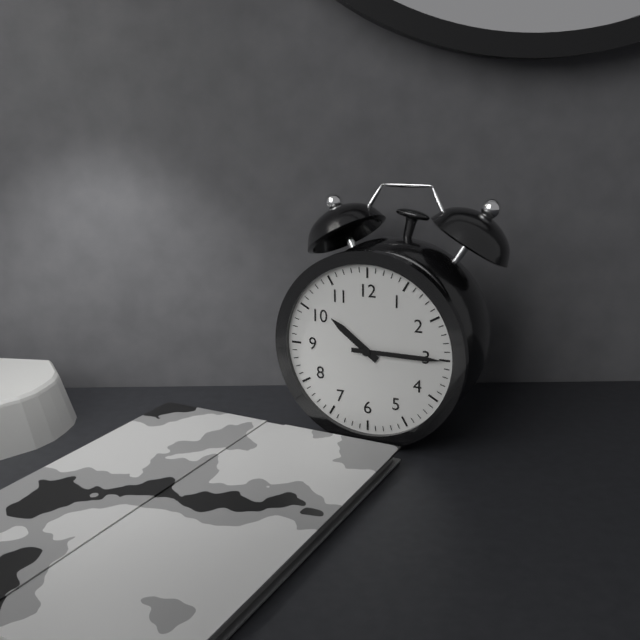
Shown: h=10 m=15
